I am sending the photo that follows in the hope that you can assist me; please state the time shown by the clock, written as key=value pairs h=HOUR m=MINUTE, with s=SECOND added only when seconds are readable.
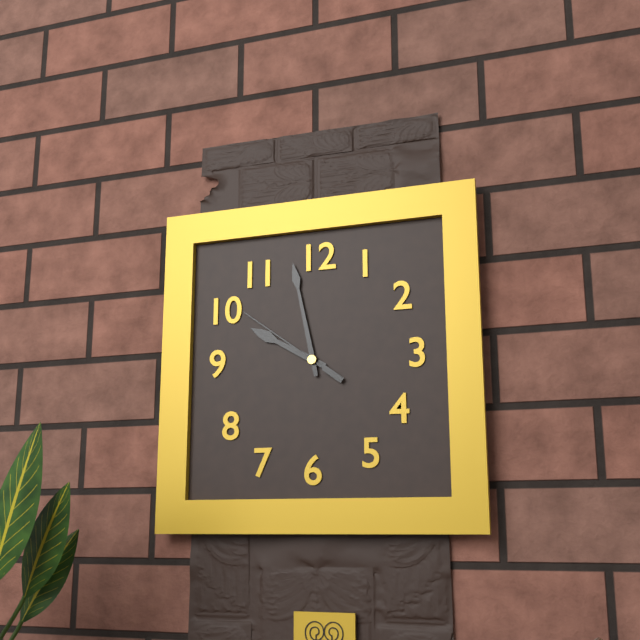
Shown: h=9 m=58 s=51
